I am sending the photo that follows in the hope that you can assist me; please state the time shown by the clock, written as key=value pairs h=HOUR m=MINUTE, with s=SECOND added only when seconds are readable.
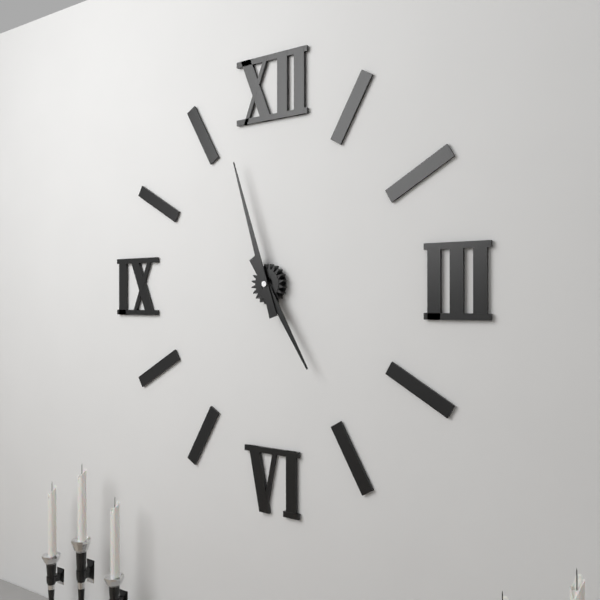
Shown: h=4 m=57
